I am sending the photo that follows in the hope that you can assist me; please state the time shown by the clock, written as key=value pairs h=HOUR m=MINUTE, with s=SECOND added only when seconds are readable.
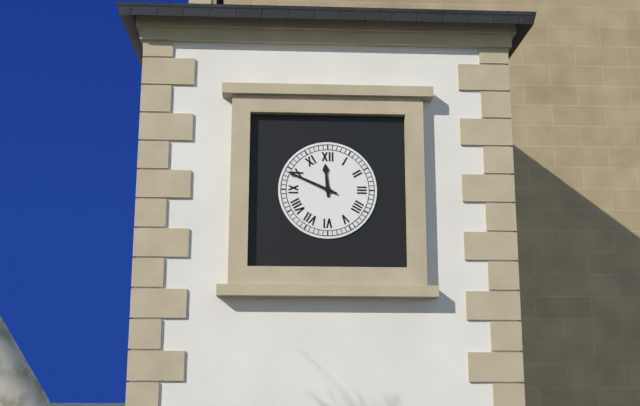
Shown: h=11 m=49
